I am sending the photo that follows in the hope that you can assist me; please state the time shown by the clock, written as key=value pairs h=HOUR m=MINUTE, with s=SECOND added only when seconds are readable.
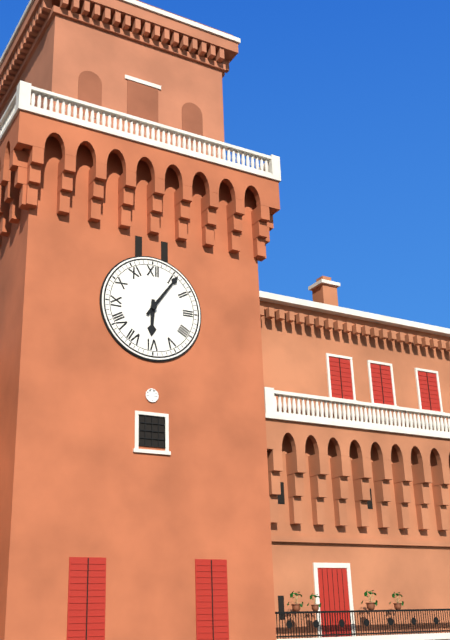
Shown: h=6 m=6
